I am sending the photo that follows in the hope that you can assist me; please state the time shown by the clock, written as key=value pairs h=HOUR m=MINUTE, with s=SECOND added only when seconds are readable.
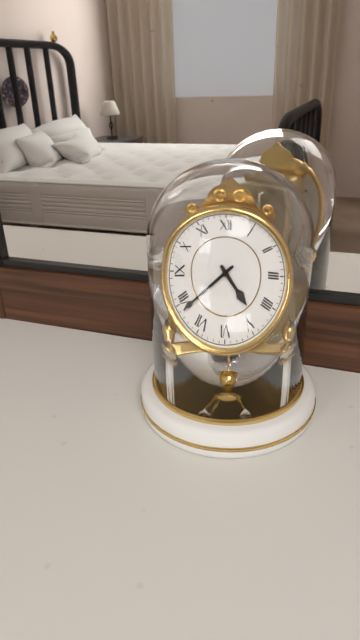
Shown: h=4 m=39
